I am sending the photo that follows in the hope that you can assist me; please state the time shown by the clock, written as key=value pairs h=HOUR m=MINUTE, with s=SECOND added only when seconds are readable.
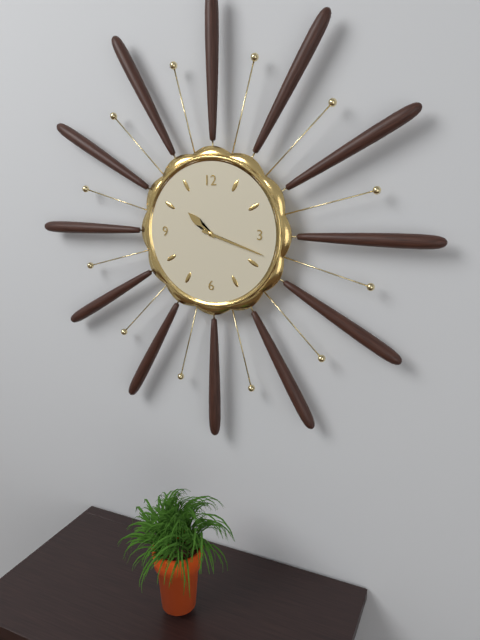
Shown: h=10 m=18
